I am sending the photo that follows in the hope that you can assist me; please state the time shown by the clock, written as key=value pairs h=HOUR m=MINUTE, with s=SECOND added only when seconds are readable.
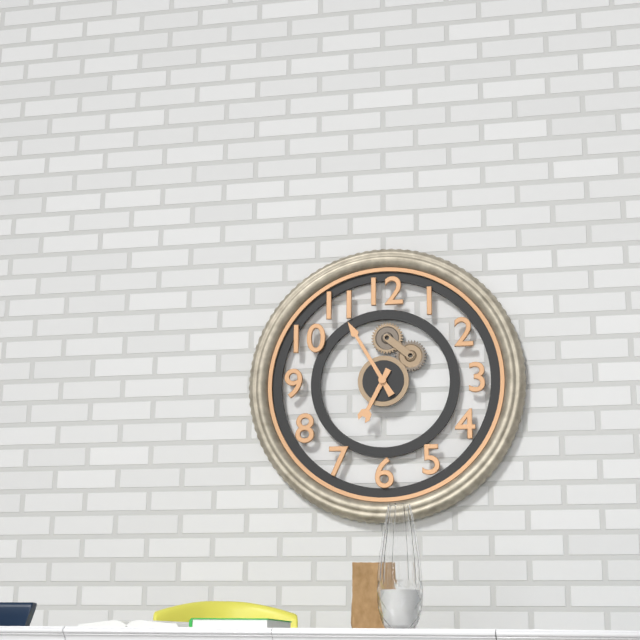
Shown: h=6 m=55
